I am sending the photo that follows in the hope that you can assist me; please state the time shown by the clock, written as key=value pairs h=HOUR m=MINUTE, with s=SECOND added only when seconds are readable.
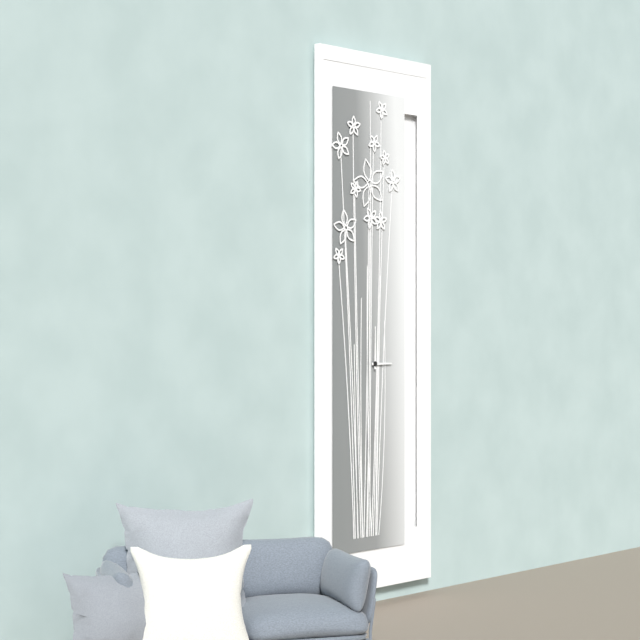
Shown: h=3 m=0
